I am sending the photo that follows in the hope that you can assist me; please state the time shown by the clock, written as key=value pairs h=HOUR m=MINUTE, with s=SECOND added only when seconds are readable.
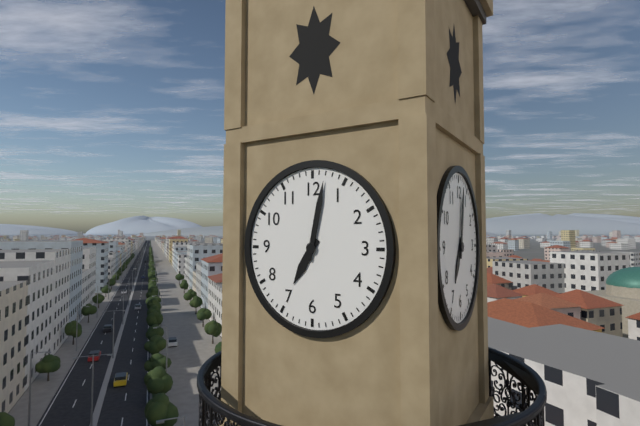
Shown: h=7 m=2
